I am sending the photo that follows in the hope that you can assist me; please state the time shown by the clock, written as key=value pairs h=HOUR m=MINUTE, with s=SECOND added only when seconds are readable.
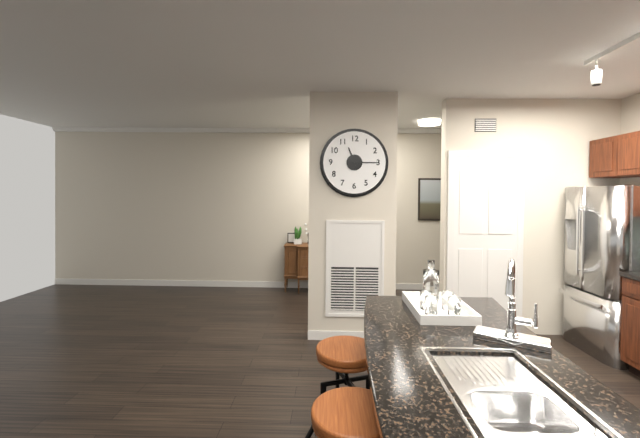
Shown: h=11 m=15
